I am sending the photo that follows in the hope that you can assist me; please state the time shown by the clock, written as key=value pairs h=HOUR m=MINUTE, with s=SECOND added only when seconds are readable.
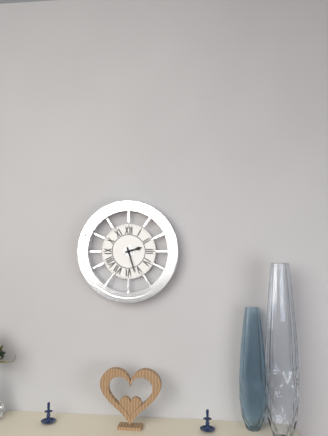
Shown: h=2 m=27
